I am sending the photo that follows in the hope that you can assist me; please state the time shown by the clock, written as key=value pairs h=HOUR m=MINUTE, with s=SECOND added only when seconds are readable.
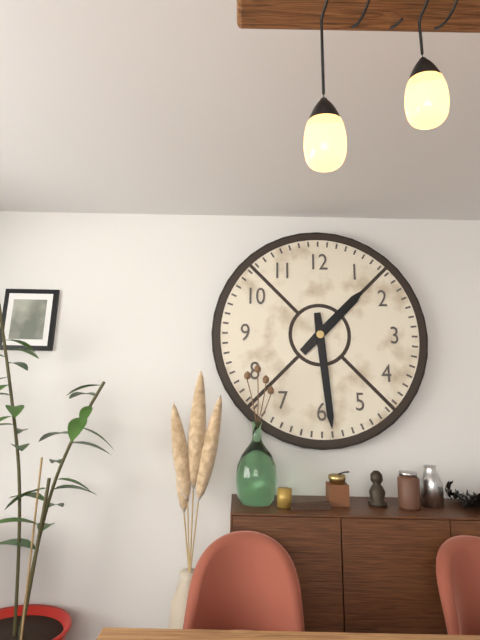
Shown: h=1 m=29
